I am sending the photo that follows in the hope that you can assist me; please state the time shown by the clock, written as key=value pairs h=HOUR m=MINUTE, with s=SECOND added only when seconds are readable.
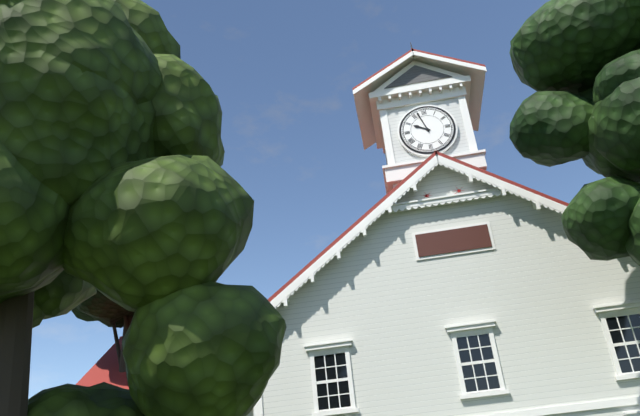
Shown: h=9 m=57
